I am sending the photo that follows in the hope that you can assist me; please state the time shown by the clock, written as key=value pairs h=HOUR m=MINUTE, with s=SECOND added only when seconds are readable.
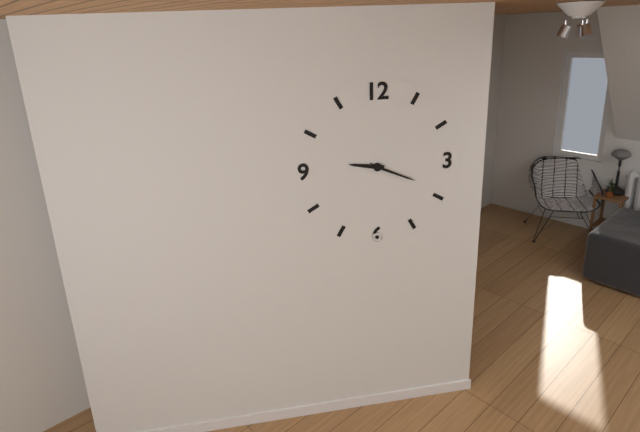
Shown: h=9 m=19
